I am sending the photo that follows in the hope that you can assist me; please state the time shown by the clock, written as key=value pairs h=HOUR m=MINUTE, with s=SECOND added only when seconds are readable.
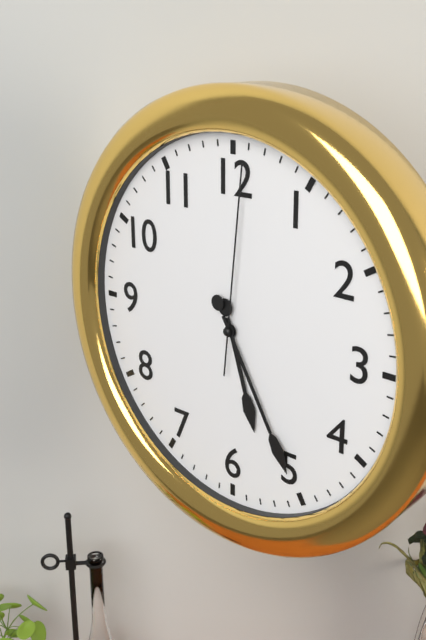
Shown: h=5 m=25 s=1
